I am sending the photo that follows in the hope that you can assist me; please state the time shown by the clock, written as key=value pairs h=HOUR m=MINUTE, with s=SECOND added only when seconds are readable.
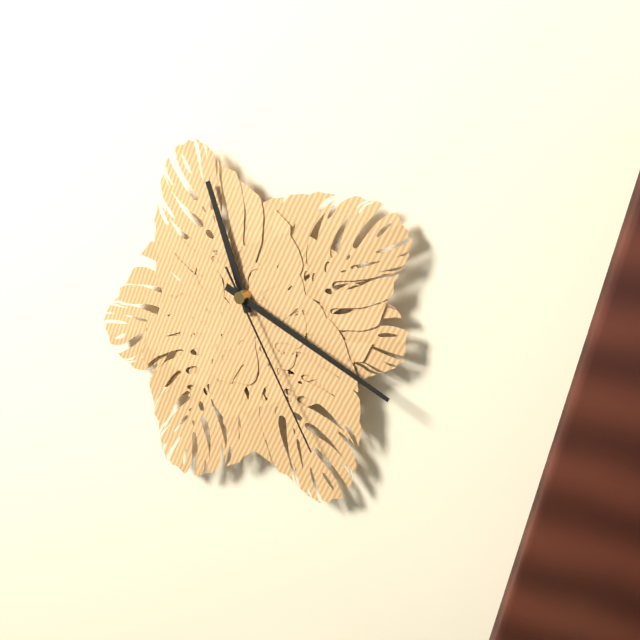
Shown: h=11 m=19 s=25
